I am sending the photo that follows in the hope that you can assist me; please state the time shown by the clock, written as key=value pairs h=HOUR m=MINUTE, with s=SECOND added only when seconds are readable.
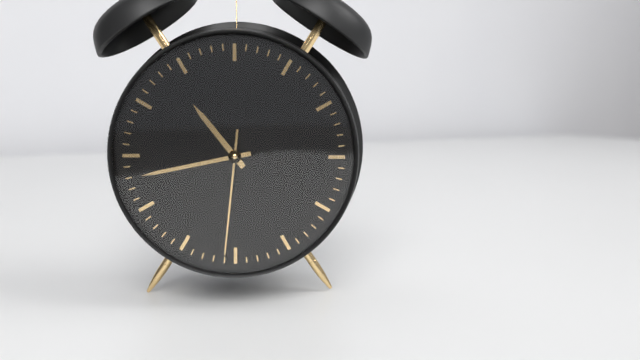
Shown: h=10 m=43 s=31
